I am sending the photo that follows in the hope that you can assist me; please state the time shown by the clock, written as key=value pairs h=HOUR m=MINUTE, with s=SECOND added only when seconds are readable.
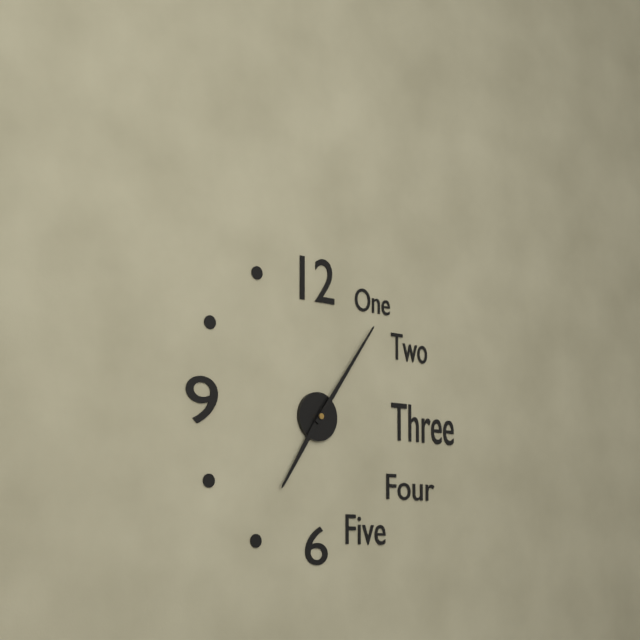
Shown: h=7 m=6
